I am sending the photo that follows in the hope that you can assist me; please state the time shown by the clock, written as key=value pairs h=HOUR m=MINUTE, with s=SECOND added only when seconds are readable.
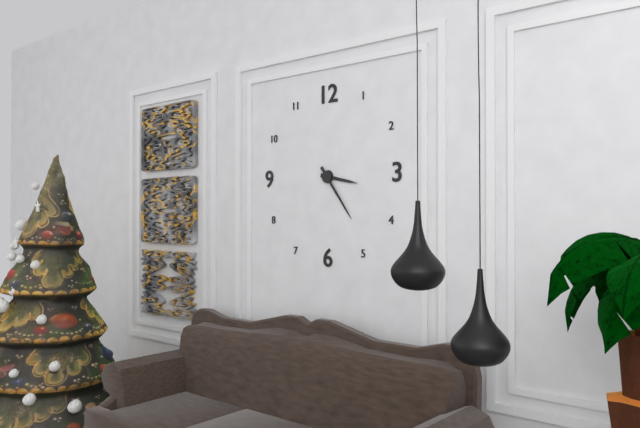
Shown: h=3 m=24
